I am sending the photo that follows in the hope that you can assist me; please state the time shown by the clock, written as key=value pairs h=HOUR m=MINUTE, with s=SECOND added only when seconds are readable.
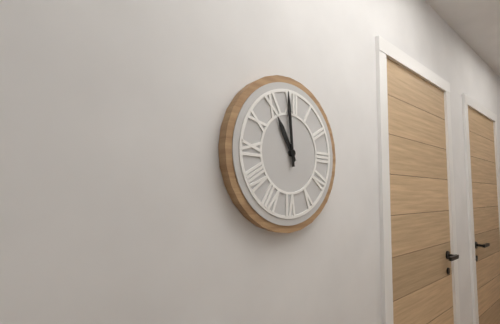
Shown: h=10 m=59
